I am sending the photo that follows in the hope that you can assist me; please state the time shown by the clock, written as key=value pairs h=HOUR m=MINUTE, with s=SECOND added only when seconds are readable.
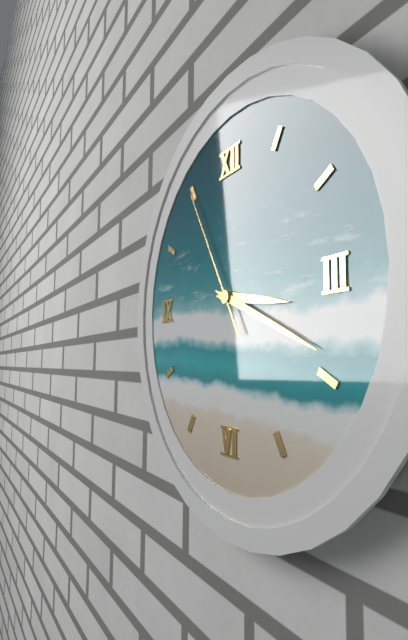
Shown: h=3 m=19 s=55
